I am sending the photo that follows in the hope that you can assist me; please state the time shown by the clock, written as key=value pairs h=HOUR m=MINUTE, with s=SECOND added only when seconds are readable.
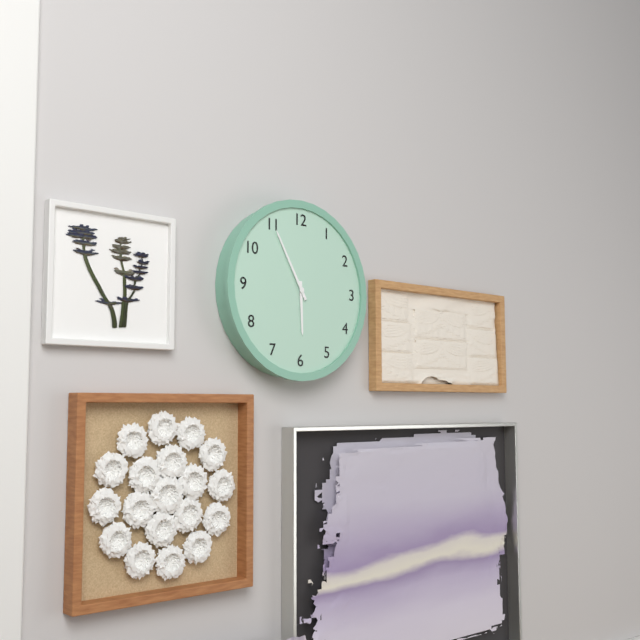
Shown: h=5 m=55
